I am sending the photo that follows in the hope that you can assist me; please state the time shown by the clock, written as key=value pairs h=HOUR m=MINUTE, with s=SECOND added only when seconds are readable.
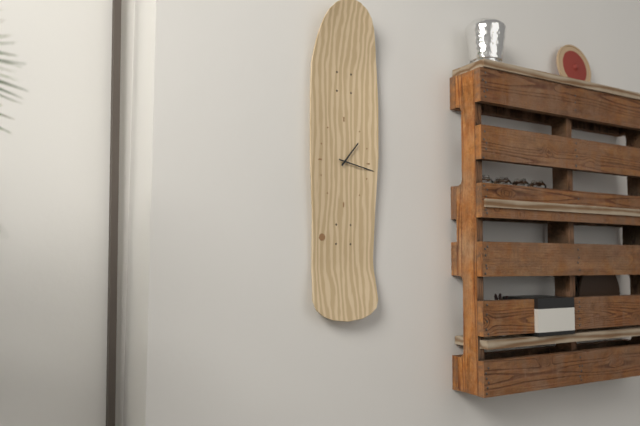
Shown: h=1 m=17
